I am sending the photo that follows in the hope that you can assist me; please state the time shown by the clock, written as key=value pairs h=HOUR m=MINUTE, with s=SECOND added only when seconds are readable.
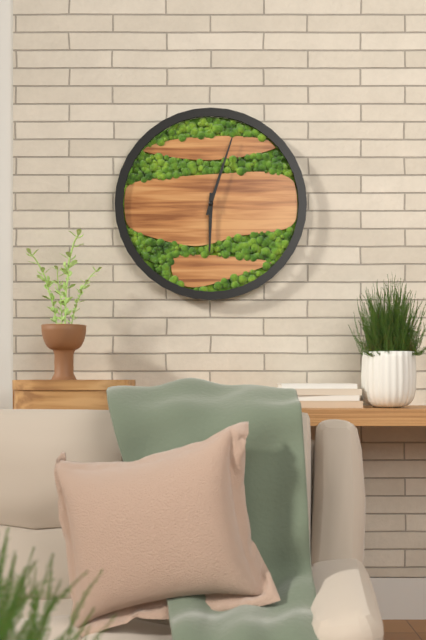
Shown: h=6 m=3
